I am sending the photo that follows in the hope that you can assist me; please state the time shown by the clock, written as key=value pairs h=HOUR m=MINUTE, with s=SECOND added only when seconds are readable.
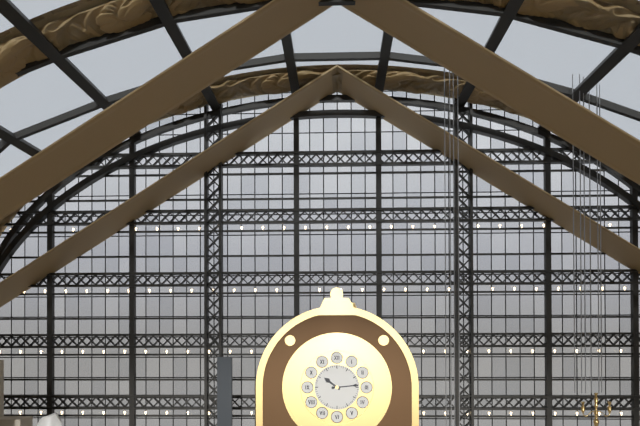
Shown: h=10 m=14
